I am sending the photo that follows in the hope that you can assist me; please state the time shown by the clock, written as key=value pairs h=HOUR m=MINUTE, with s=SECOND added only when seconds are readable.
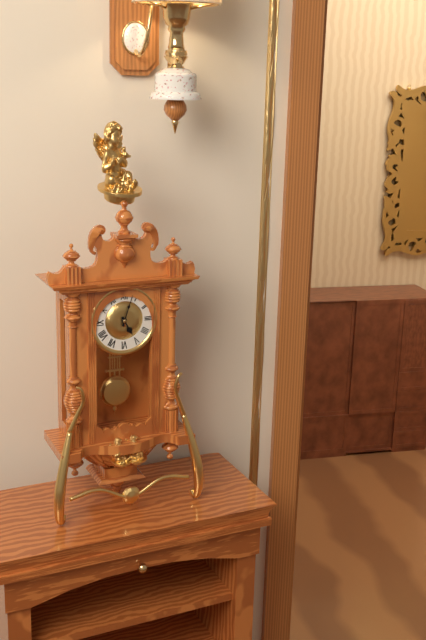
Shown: h=5 m=3
